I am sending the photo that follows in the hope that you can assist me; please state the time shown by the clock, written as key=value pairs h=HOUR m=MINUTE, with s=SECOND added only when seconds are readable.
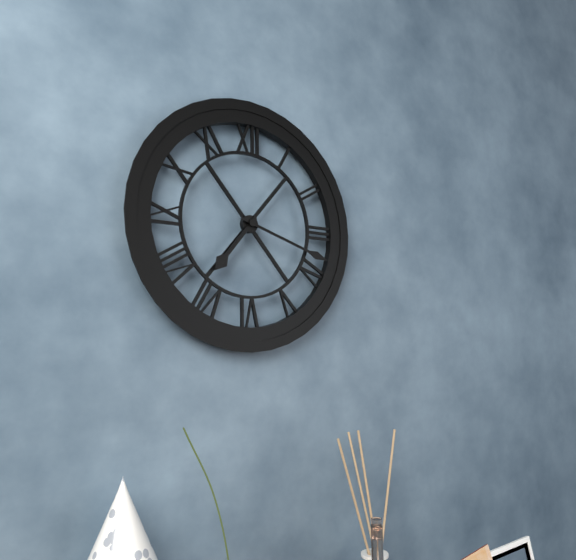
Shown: h=7 m=18
